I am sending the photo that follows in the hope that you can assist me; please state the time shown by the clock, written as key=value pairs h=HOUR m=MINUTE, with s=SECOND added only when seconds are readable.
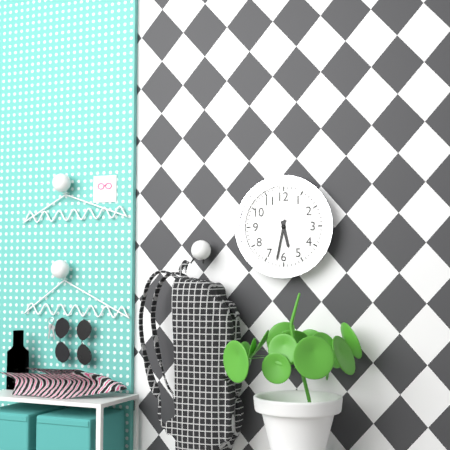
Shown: h=5 m=32
